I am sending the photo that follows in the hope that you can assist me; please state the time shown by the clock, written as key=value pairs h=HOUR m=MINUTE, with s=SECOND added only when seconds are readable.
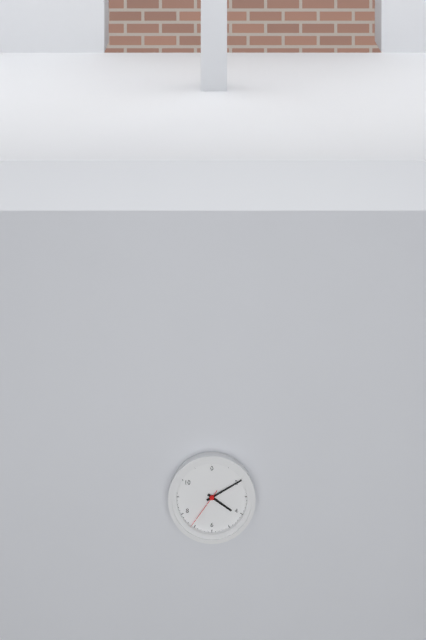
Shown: h=4 m=10
